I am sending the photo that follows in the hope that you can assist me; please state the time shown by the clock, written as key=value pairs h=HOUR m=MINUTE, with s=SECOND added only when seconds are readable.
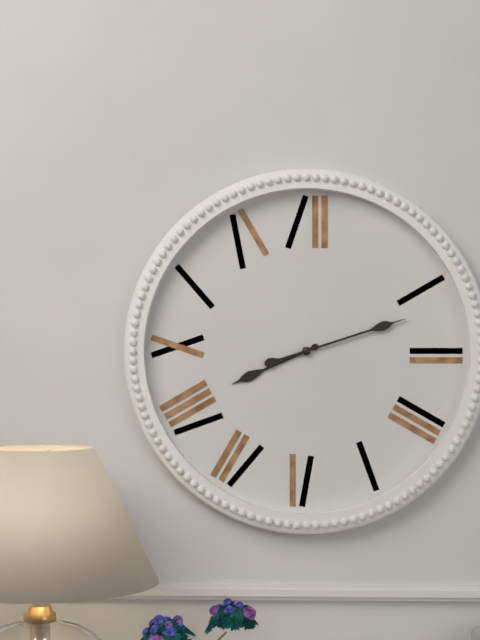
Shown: h=8 m=12
